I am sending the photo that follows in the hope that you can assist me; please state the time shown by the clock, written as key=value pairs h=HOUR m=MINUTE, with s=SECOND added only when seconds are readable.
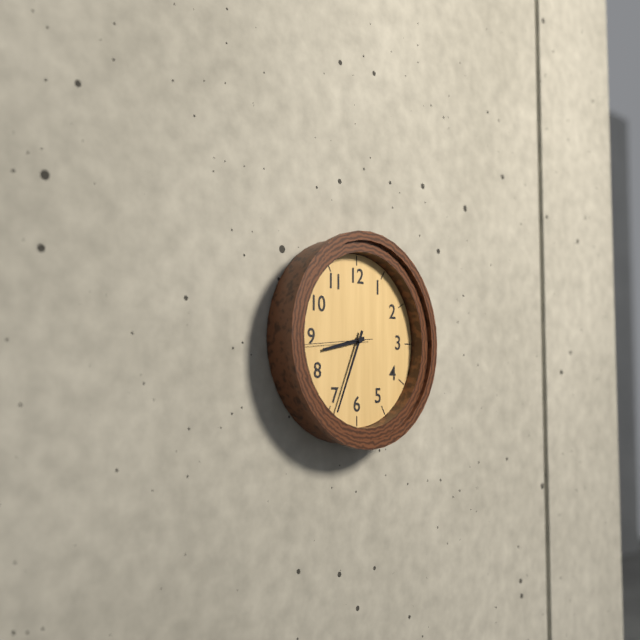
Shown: h=8 m=34 s=44
